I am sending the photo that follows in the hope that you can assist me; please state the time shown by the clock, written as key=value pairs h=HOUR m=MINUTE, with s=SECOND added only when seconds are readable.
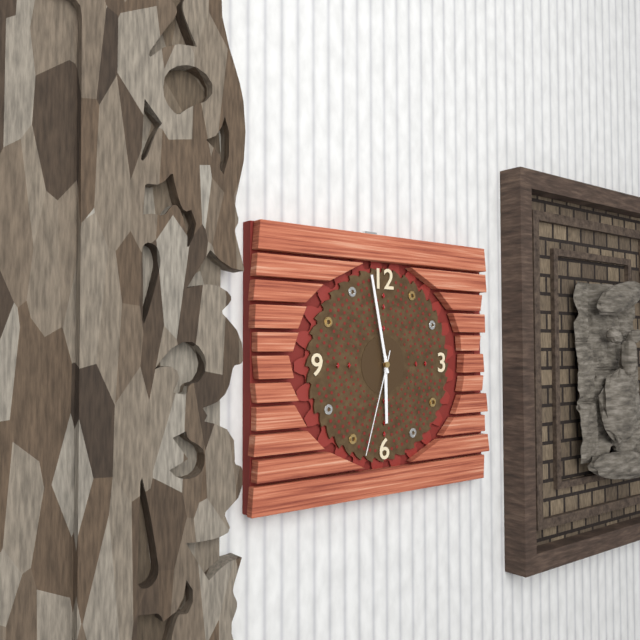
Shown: h=5 m=58 s=33
